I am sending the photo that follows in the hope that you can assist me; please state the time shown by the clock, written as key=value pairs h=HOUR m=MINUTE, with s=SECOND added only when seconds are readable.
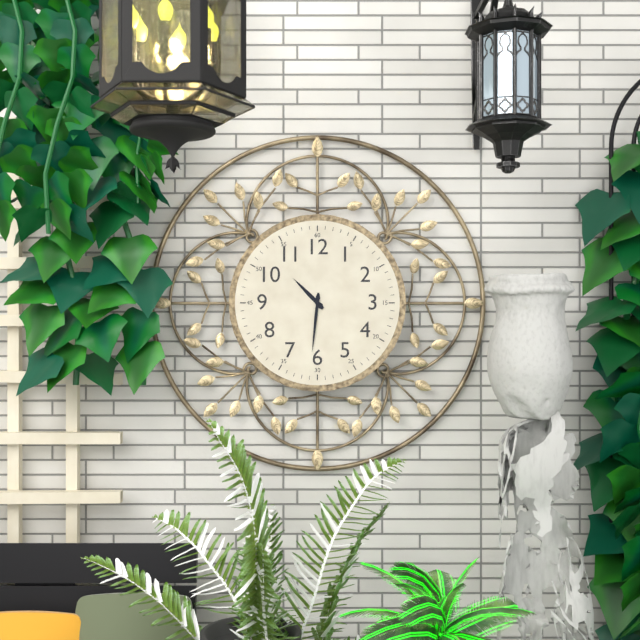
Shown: h=10 m=31
